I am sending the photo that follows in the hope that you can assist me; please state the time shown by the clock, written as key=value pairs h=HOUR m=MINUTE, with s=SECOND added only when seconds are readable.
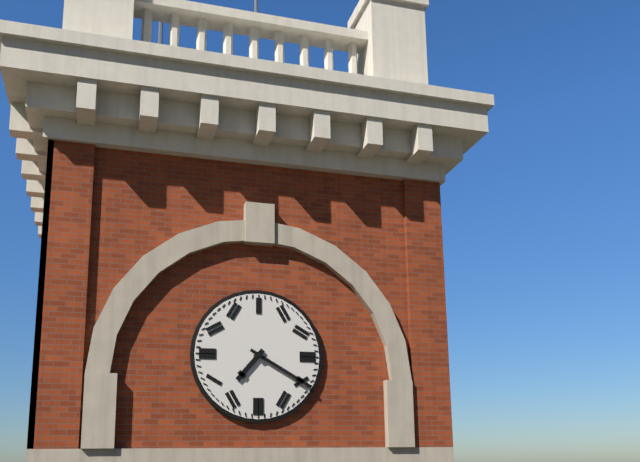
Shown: h=7 m=20
